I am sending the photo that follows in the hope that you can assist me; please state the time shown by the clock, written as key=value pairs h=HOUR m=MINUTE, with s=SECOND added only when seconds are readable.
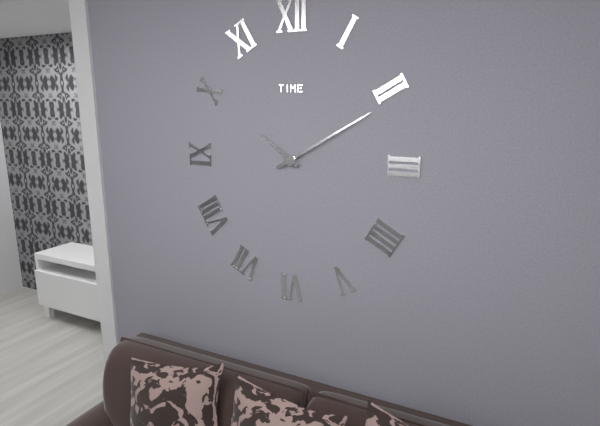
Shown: h=10 m=10
